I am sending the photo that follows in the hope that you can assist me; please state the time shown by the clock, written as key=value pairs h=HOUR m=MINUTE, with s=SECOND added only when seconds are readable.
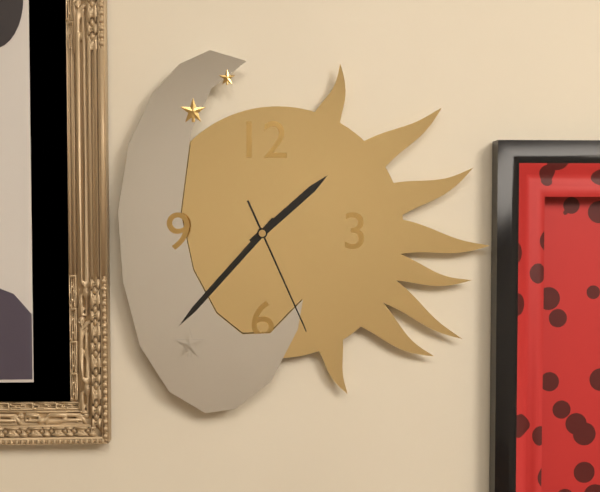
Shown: h=1 m=37 s=26
